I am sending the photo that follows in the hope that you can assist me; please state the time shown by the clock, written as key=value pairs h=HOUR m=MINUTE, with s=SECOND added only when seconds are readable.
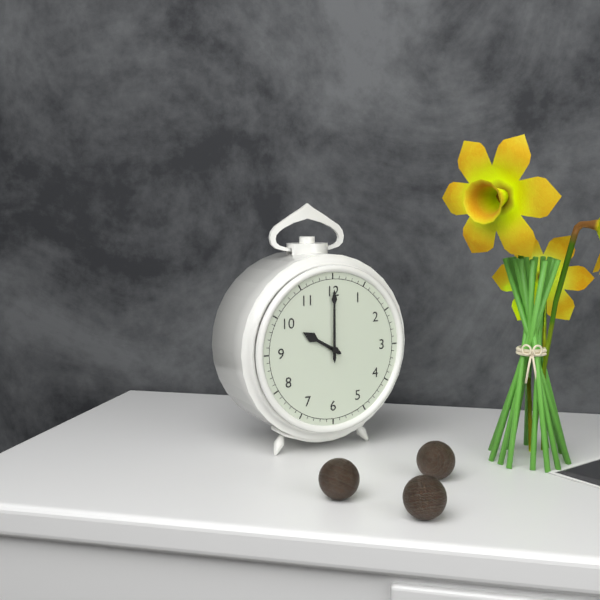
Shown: h=10 m=0
